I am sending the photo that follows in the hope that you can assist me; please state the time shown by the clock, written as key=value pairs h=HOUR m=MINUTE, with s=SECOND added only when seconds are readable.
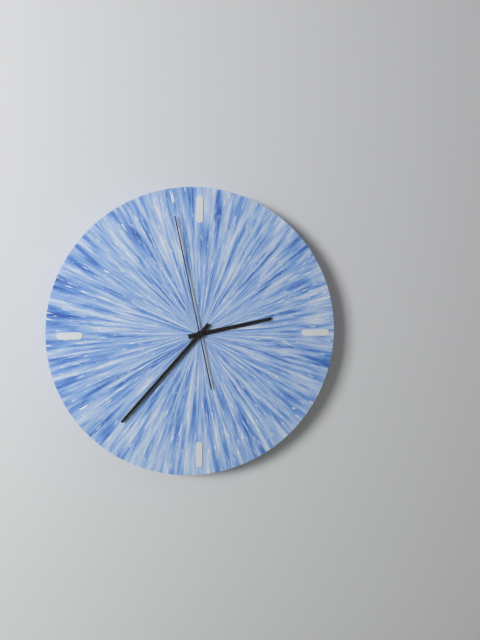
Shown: h=2 m=37 s=58
